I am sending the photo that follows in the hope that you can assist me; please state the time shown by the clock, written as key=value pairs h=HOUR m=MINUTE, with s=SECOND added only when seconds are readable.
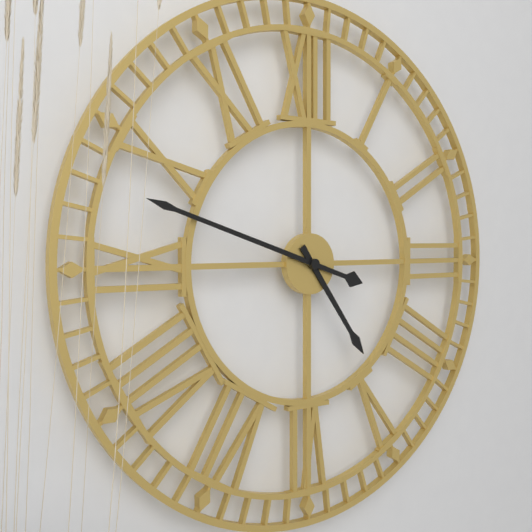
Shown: h=4 m=48
